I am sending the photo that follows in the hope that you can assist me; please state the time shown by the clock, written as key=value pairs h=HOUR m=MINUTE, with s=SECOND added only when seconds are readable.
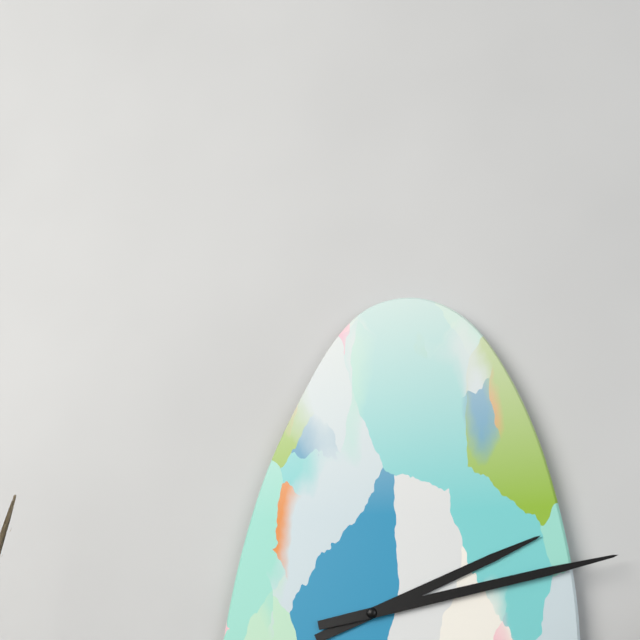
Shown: h=2 m=13
